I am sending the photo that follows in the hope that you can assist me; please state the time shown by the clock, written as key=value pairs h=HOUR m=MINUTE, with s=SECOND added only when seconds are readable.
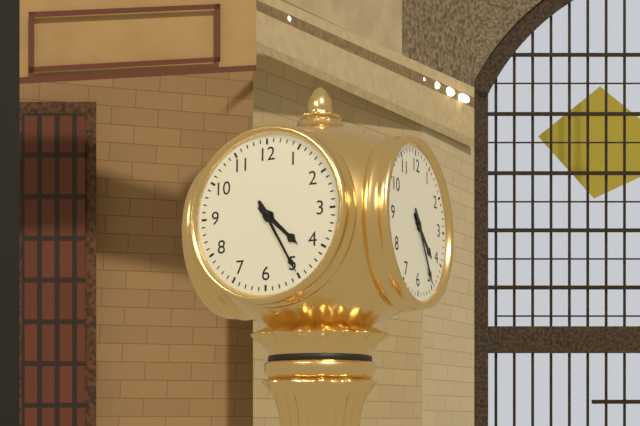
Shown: h=4 m=25
